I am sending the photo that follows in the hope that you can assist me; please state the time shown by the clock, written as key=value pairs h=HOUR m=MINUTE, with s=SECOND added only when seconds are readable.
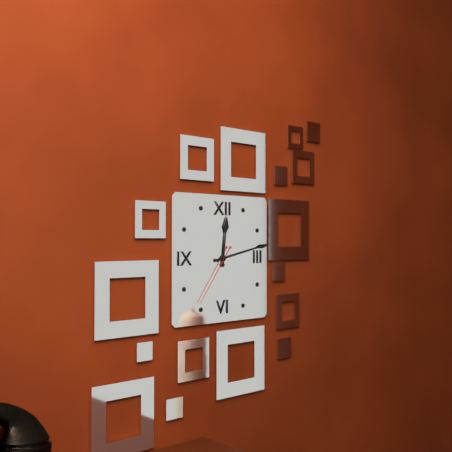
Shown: h=12 m=13 s=36
